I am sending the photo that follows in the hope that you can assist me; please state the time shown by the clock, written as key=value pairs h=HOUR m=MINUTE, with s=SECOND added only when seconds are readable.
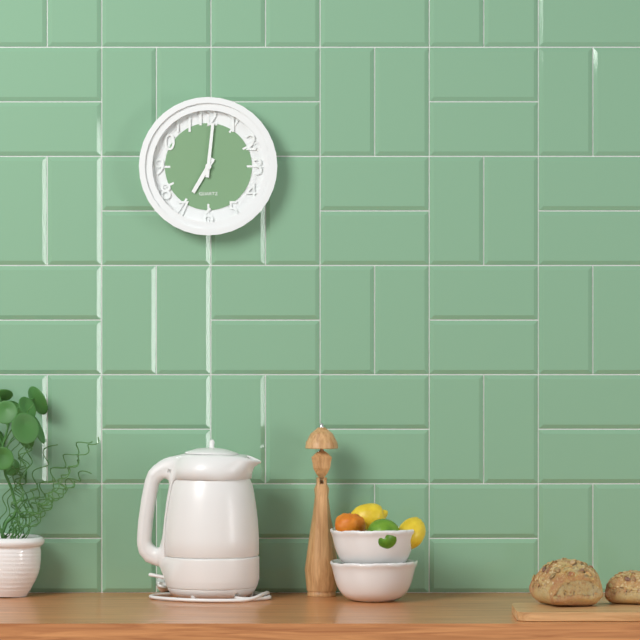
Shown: h=7 m=1
